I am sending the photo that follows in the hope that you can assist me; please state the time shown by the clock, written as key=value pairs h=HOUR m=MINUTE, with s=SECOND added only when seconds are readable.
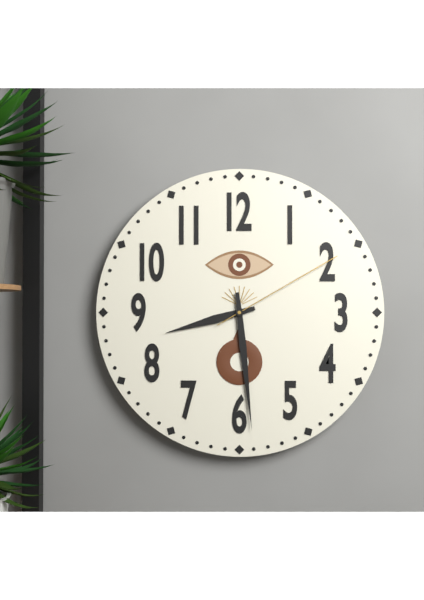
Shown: h=8 m=29 s=10
